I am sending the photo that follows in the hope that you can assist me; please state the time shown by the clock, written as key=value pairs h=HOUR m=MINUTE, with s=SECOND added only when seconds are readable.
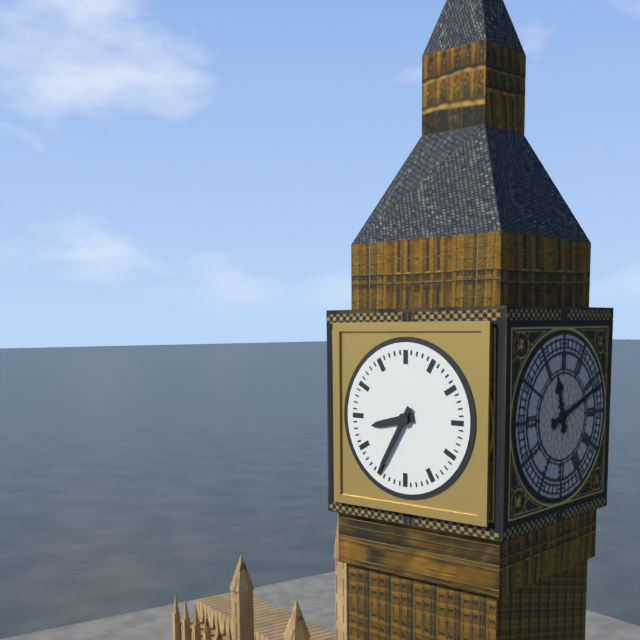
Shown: h=8 m=35
